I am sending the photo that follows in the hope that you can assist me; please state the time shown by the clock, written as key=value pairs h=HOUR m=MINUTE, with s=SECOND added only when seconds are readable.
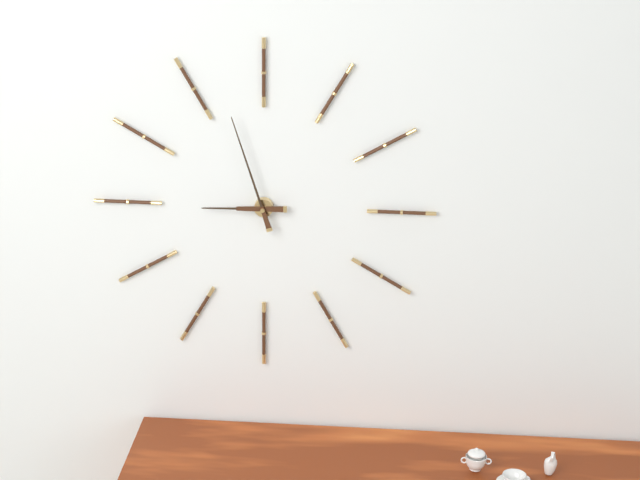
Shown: h=8 m=57
